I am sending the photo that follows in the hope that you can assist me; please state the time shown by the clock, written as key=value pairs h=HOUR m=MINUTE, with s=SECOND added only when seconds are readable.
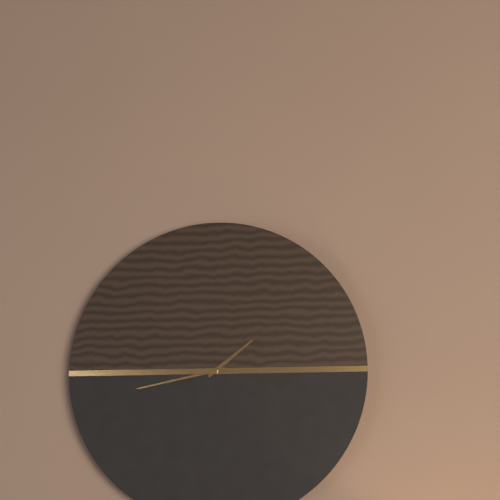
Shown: h=1 m=43
